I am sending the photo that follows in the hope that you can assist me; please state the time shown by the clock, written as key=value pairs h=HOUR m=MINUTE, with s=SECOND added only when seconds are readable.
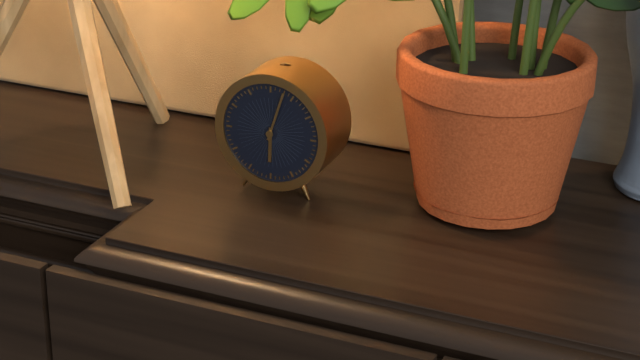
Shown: h=6 m=3
